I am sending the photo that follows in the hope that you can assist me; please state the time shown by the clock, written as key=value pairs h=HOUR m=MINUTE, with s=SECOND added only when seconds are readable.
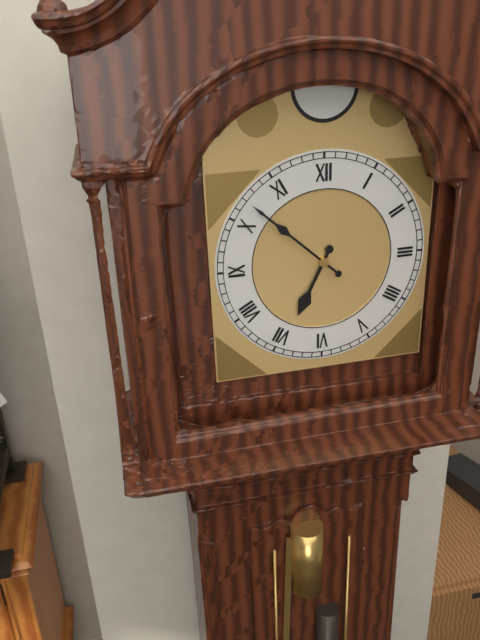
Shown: h=6 m=52
